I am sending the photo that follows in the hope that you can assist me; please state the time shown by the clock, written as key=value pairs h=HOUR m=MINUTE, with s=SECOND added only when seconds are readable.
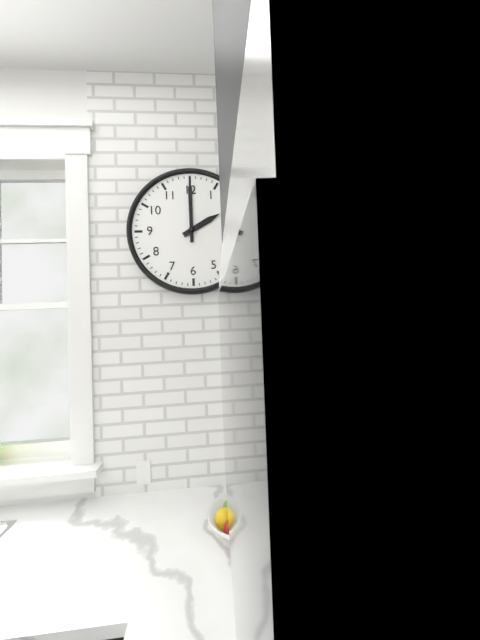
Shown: h=2 m=0
